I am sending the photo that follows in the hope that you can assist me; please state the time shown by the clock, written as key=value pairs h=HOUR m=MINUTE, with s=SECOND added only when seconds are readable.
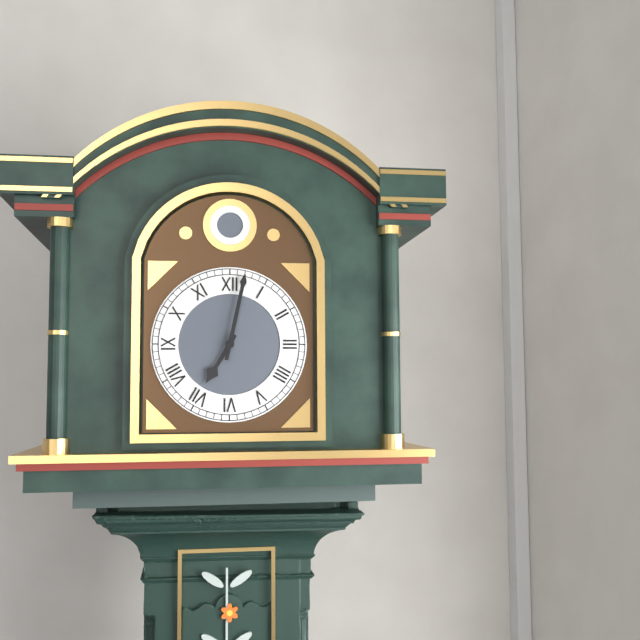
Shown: h=7 m=2
